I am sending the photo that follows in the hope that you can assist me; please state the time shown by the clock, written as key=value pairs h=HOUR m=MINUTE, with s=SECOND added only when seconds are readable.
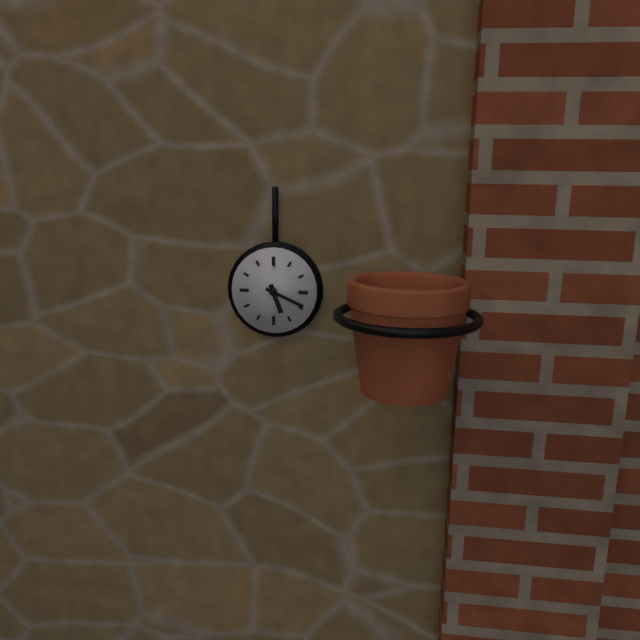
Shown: h=5 m=19
